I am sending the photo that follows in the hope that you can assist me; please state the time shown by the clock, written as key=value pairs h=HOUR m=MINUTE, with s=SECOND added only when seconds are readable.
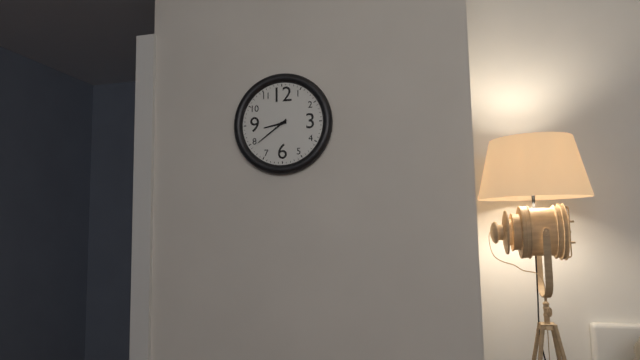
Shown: h=8 m=39
